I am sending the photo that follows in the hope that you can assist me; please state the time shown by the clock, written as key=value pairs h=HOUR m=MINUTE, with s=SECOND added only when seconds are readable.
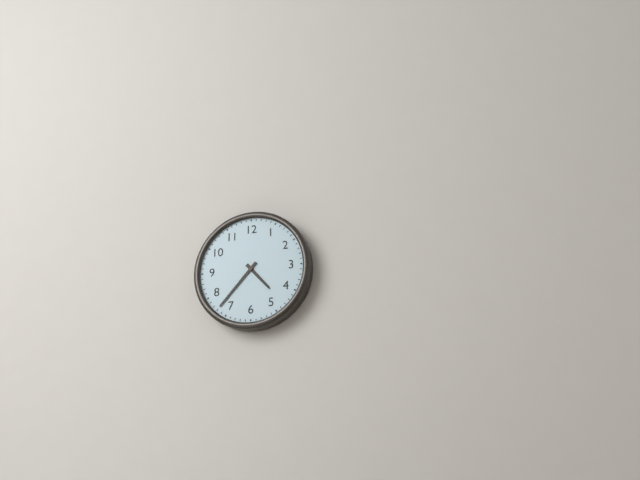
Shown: h=4 m=37
